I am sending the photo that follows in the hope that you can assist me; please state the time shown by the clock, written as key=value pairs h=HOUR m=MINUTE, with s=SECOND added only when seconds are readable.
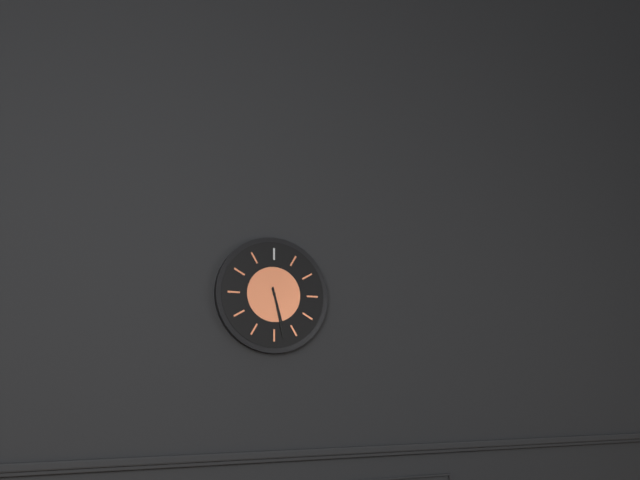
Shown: h=5 m=28
